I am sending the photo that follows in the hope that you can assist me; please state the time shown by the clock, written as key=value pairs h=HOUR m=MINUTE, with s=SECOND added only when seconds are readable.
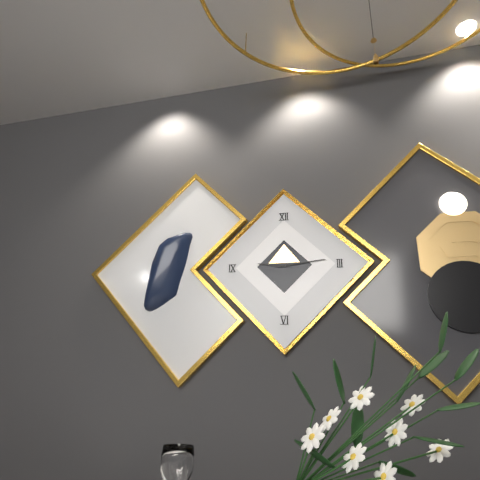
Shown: h=9 m=14
